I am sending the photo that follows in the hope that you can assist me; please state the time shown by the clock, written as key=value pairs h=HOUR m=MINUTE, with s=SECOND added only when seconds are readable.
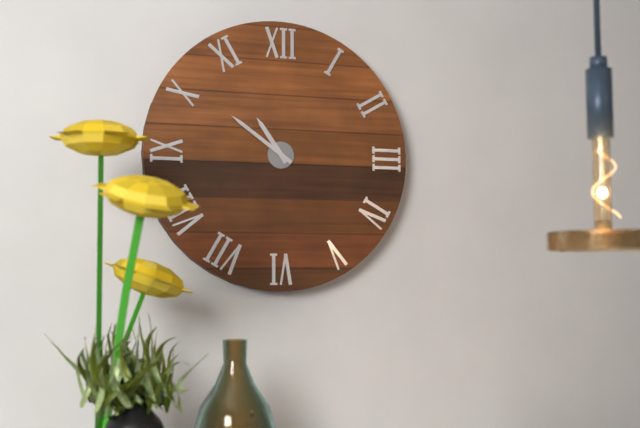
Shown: h=10 m=51
